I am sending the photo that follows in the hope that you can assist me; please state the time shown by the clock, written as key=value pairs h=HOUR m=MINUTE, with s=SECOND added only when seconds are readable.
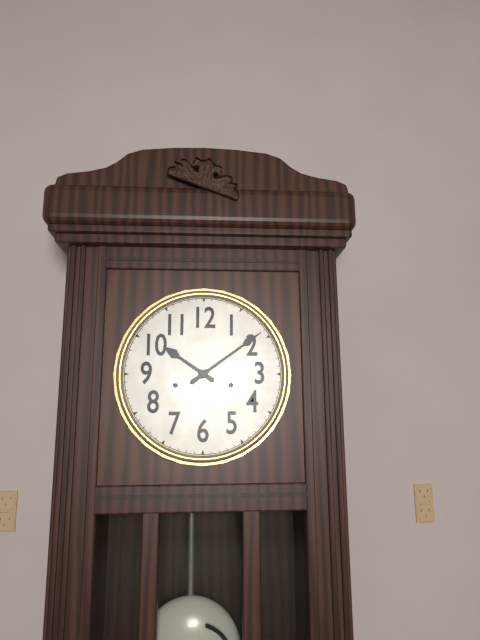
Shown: h=10 m=9
